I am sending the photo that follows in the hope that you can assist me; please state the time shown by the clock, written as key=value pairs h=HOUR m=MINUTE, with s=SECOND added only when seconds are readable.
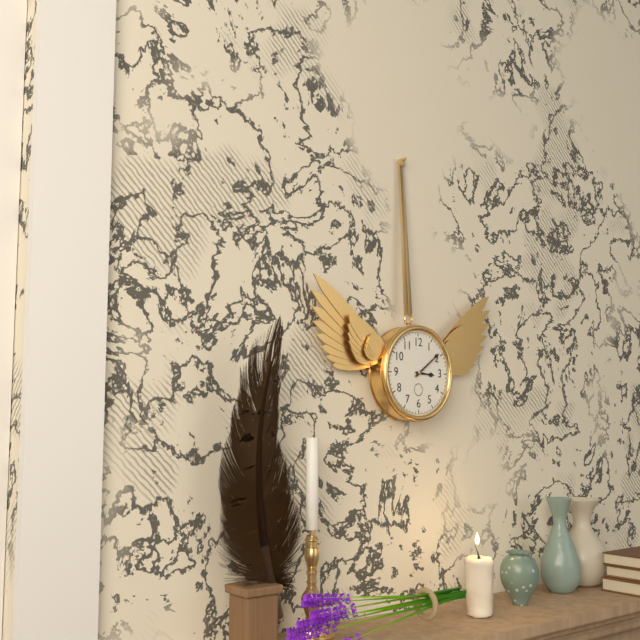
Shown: h=3 m=9
